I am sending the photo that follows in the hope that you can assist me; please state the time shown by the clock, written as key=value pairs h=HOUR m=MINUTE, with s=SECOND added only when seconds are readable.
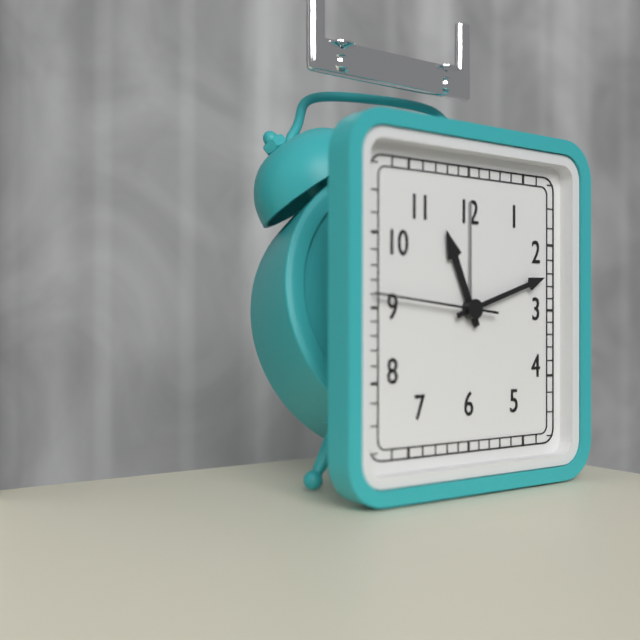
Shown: h=11 m=12
